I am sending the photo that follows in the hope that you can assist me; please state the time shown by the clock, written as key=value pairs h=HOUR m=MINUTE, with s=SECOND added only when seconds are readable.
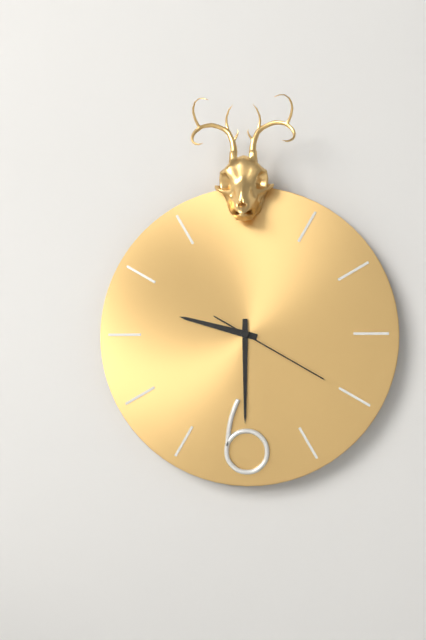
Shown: h=9 m=30 s=20
